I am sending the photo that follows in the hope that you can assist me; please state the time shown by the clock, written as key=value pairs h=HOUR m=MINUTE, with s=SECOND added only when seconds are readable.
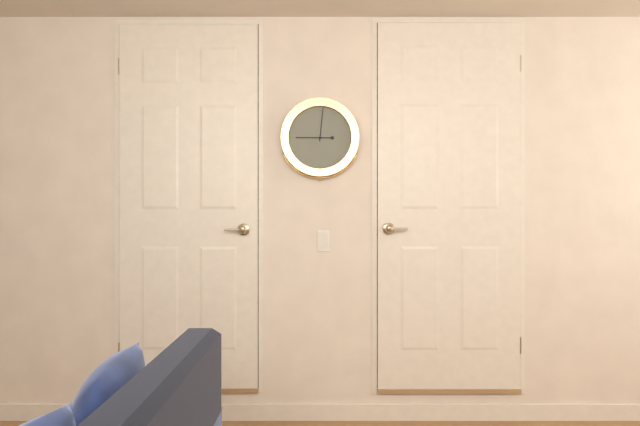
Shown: h=9 m=1
